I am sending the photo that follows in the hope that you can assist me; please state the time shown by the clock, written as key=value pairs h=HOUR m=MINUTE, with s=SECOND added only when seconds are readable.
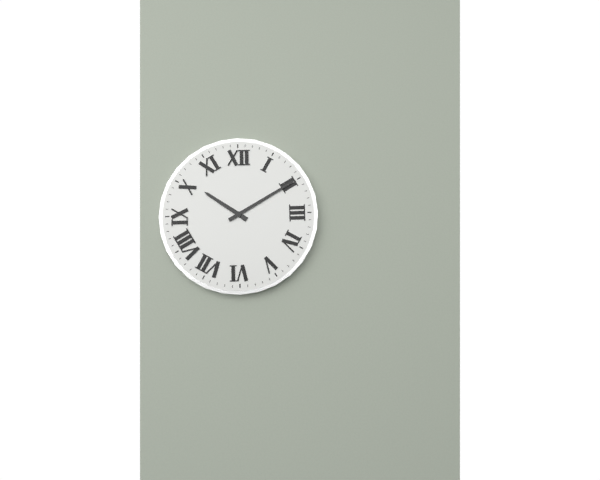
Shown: h=10 m=10
